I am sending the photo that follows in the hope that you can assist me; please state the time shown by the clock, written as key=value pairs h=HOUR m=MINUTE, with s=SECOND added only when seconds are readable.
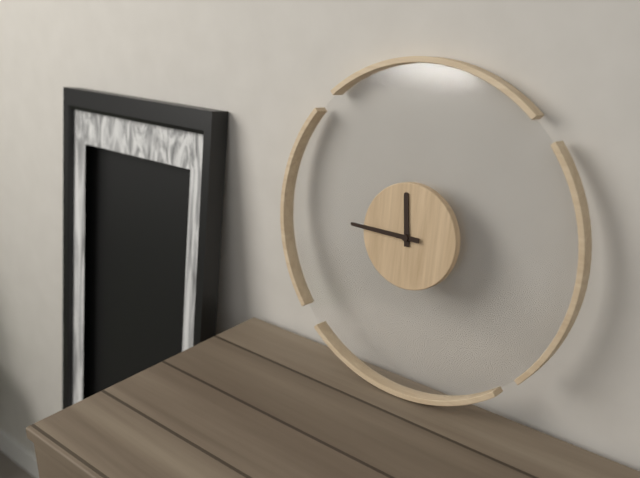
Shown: h=11 m=45
